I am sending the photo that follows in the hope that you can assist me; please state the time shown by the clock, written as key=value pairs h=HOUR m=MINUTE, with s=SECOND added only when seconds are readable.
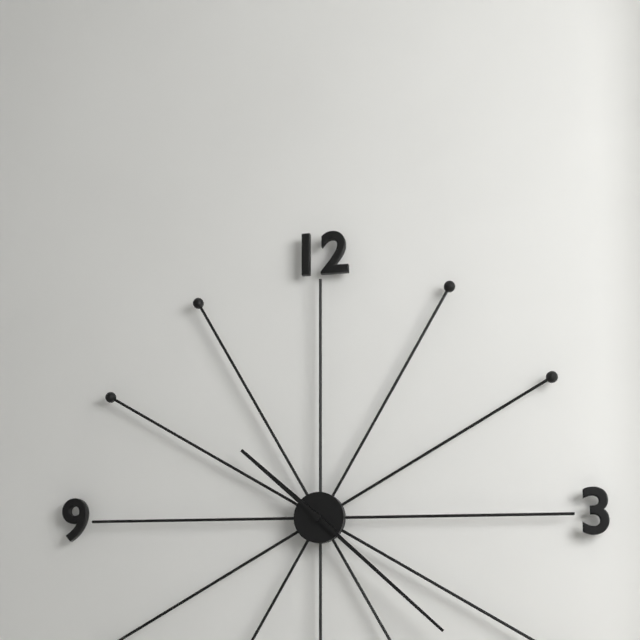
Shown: h=10 m=22
